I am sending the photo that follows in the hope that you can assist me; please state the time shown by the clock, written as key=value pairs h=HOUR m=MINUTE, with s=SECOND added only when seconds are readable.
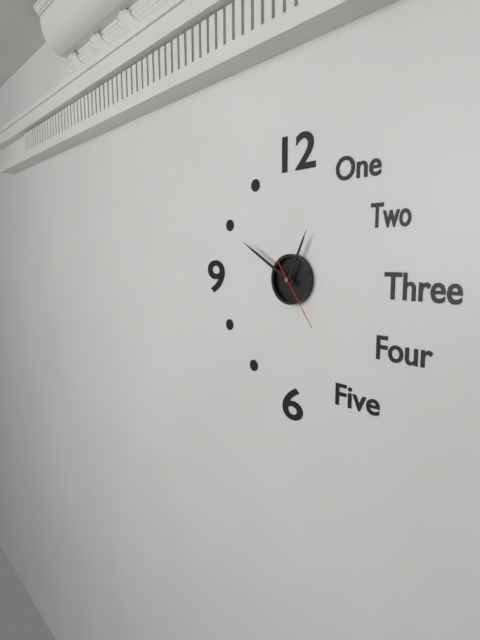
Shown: h=12 m=50 s=24
